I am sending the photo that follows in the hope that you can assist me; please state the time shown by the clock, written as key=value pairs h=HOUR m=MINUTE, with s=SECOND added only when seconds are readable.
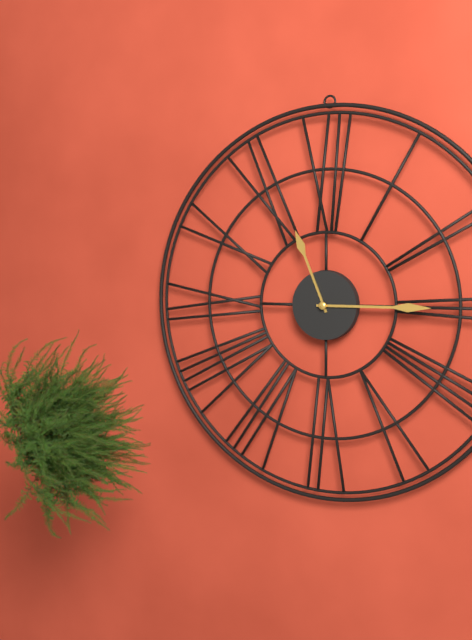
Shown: h=11 m=15
